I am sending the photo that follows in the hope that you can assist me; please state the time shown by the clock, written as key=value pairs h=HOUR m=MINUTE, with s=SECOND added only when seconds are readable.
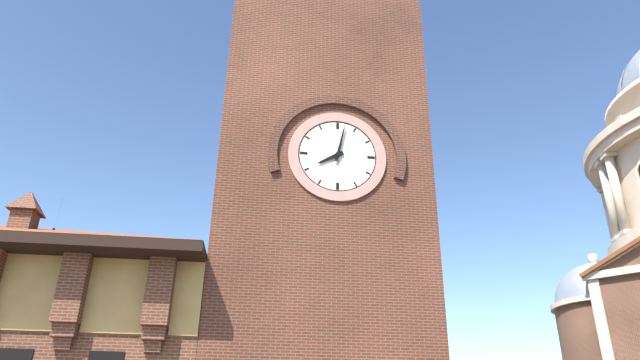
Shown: h=8 m=2
